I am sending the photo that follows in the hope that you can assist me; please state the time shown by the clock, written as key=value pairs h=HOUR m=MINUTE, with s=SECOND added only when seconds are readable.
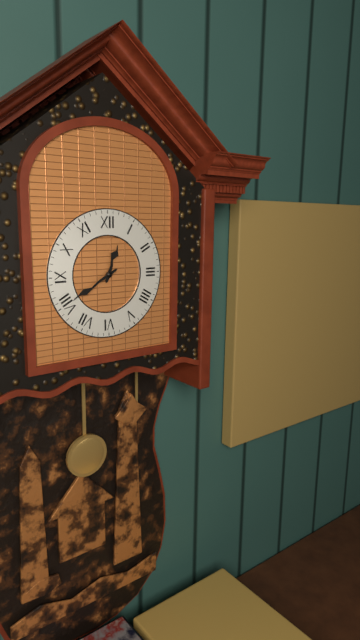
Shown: h=12 m=40
